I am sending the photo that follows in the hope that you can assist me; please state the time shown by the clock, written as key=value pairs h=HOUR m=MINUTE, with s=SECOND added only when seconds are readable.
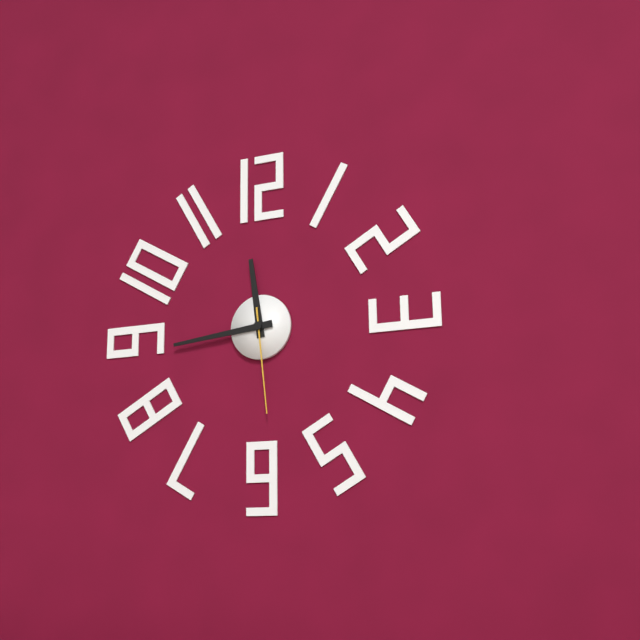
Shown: h=11 m=44 s=29
